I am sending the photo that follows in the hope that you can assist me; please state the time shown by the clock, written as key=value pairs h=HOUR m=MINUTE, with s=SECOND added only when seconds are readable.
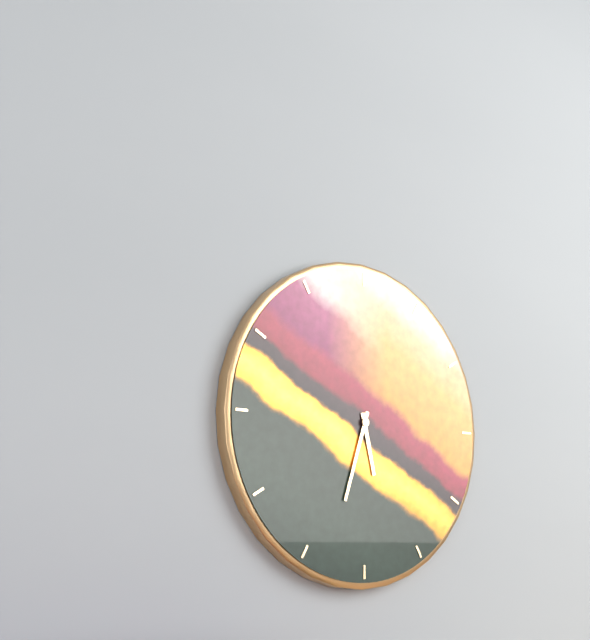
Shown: h=5 m=33
